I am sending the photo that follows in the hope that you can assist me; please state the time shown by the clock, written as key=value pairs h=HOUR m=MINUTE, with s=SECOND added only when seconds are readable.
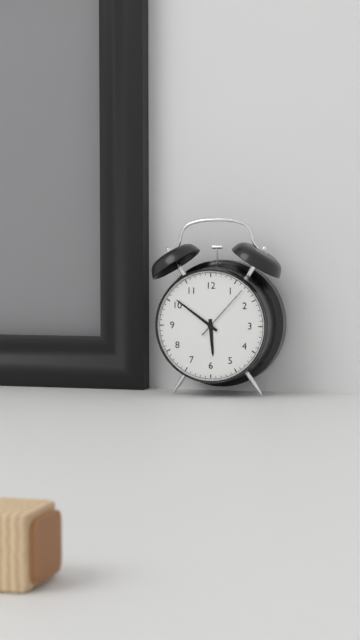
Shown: h=5 m=51 s=7
